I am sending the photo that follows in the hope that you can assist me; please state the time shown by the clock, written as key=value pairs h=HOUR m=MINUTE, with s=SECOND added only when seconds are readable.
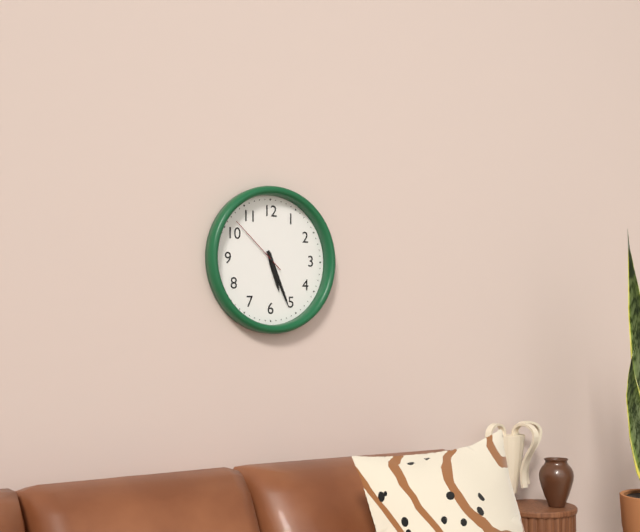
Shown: h=5 m=26 s=52
